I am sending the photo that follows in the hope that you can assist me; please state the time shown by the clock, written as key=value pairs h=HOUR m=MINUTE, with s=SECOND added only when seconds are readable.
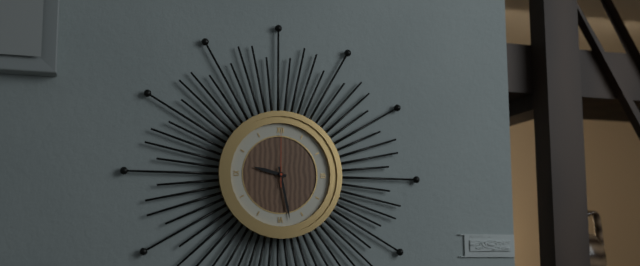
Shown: h=9 m=28 s=0
